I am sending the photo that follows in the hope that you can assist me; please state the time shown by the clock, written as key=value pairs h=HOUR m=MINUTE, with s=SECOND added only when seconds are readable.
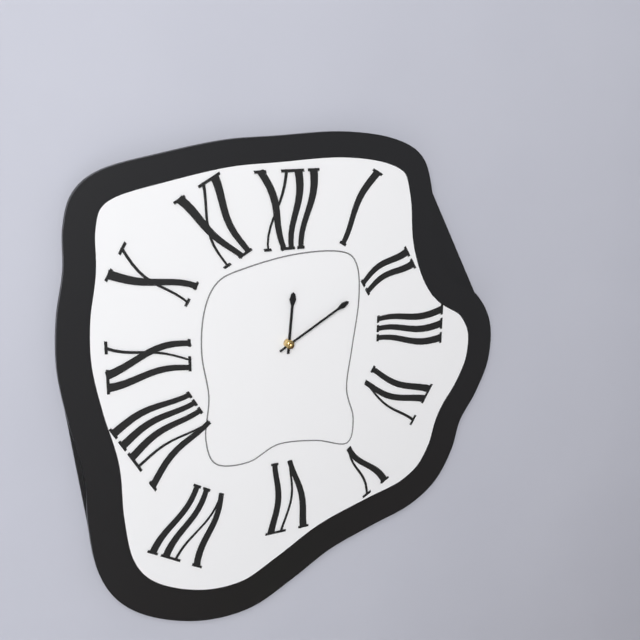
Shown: h=12 m=10
